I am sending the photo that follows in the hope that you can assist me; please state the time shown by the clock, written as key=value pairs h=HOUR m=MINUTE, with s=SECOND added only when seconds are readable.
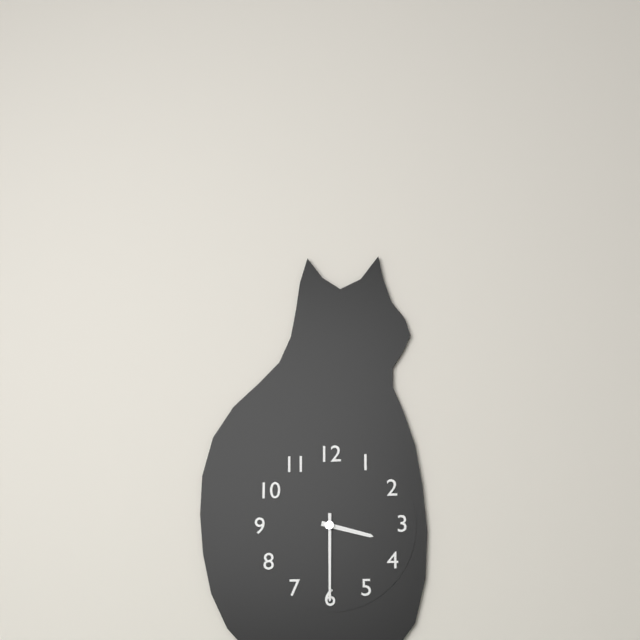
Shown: h=3 m=30
